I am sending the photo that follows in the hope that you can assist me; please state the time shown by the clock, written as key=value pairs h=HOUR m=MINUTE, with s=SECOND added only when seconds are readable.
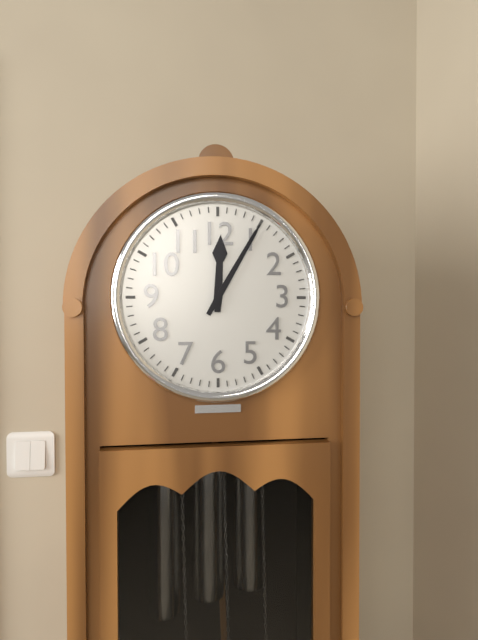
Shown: h=12 m=5
